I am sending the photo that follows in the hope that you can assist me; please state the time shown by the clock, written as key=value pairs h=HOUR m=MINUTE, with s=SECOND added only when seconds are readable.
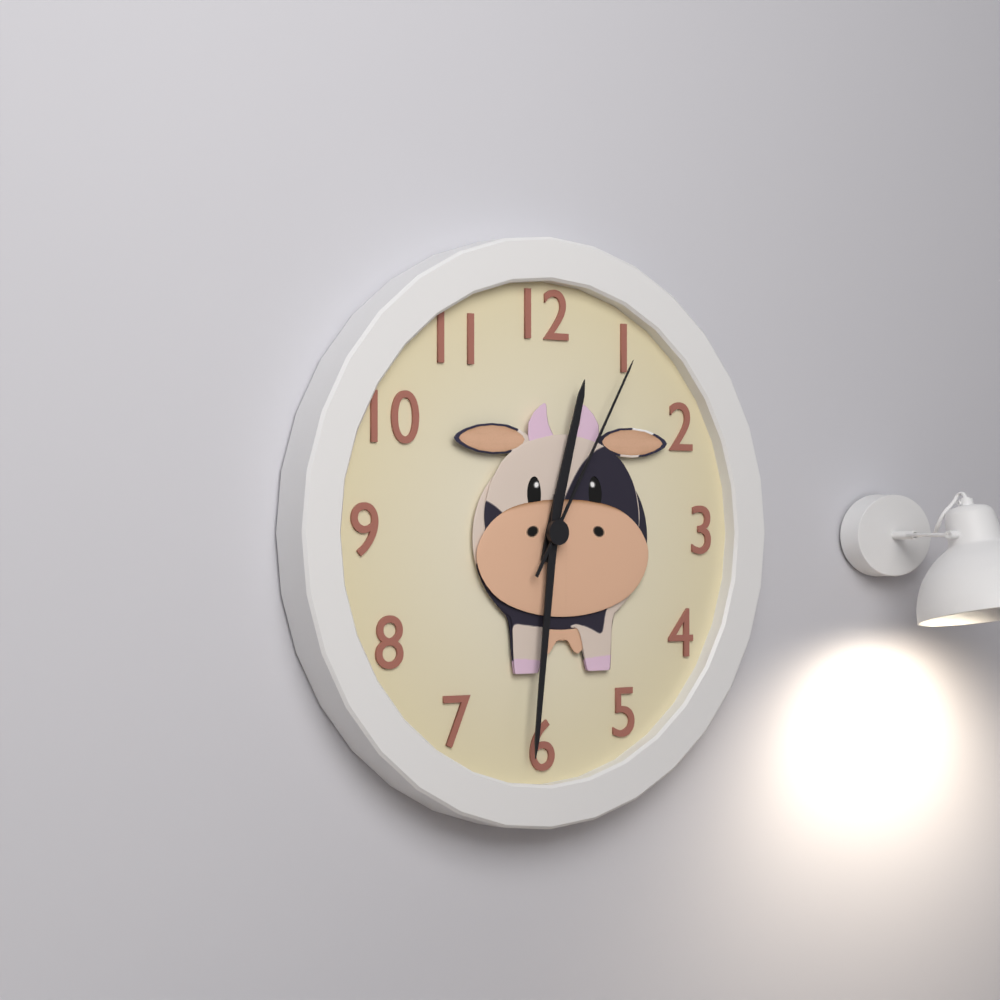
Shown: h=12 m=31 s=5
